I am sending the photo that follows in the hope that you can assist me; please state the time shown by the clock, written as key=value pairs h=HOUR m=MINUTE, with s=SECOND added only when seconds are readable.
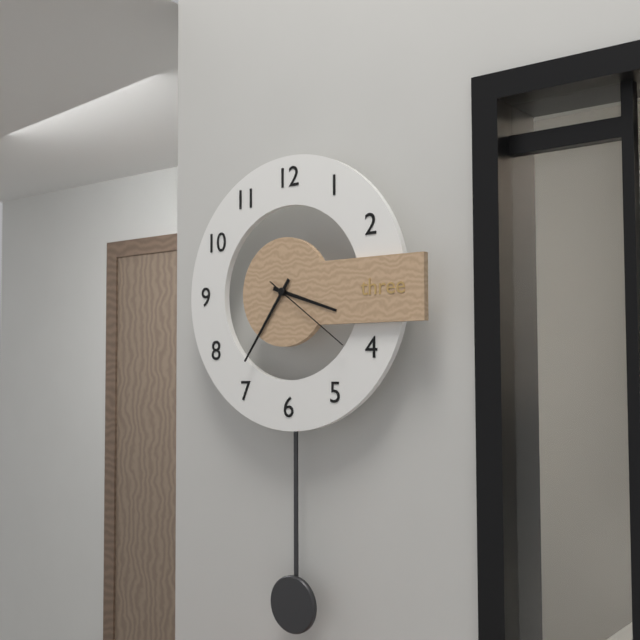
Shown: h=3 m=36 s=21
